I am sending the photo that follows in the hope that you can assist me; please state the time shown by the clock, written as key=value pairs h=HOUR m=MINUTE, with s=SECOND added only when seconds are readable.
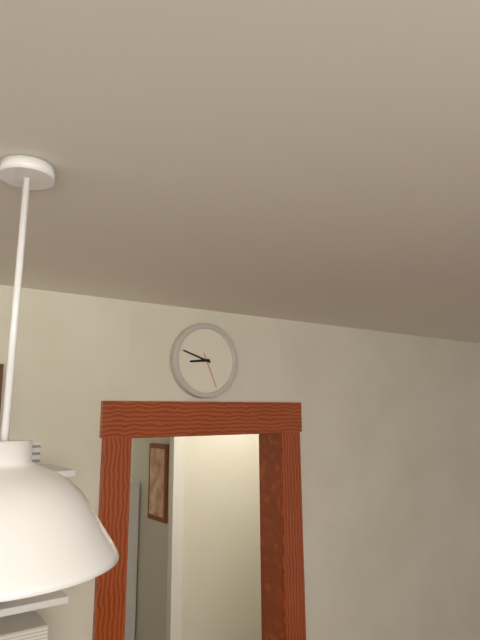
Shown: h=8 m=48
